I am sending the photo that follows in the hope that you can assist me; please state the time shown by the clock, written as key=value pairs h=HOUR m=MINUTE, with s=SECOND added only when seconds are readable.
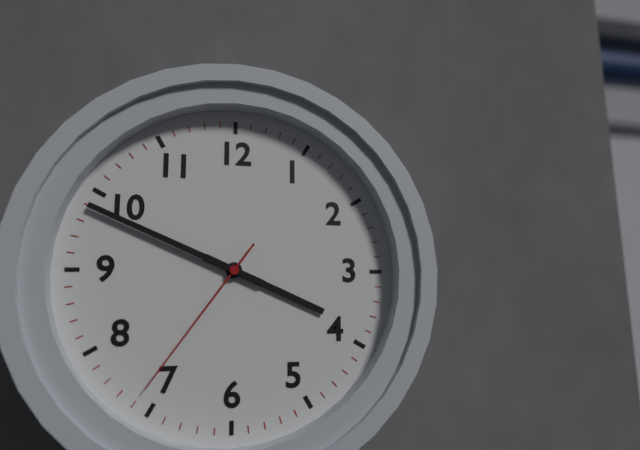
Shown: h=3 m=49 s=36
